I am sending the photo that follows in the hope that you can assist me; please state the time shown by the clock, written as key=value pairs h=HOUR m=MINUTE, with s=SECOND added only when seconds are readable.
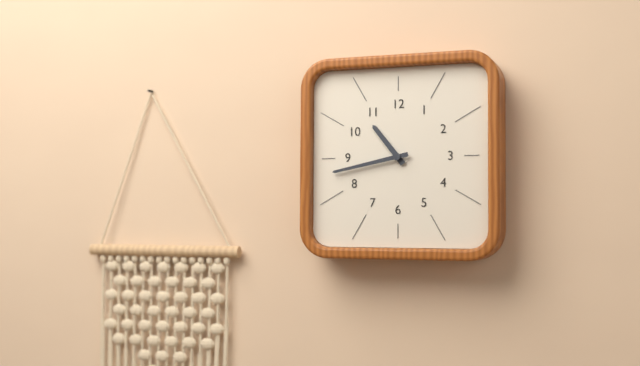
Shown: h=10 m=43
